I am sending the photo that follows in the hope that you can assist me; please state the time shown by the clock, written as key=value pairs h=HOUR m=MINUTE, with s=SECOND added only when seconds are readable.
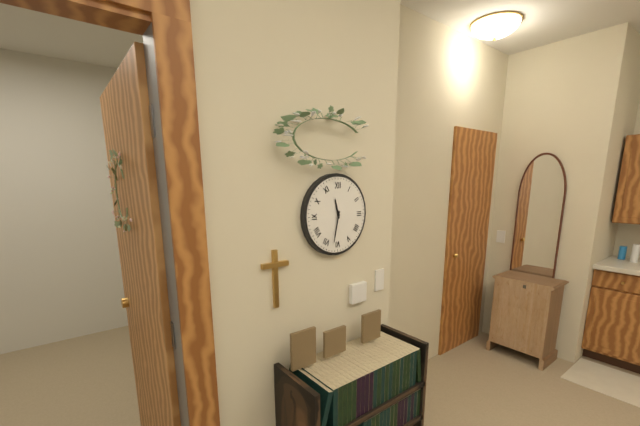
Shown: h=11 m=32
